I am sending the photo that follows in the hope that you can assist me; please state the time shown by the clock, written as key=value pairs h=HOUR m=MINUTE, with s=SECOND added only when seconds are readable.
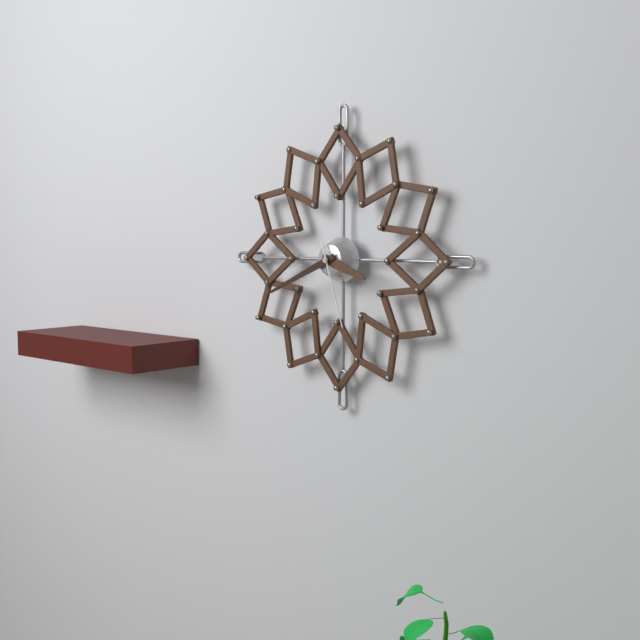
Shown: h=3 m=41 s=27
